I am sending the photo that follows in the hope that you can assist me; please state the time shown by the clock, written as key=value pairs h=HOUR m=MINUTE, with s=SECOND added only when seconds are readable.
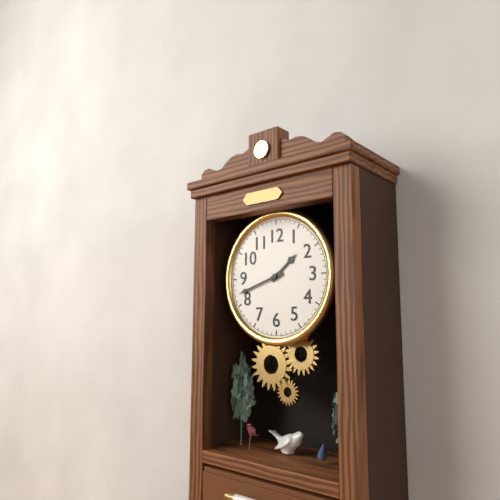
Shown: h=1 m=42
